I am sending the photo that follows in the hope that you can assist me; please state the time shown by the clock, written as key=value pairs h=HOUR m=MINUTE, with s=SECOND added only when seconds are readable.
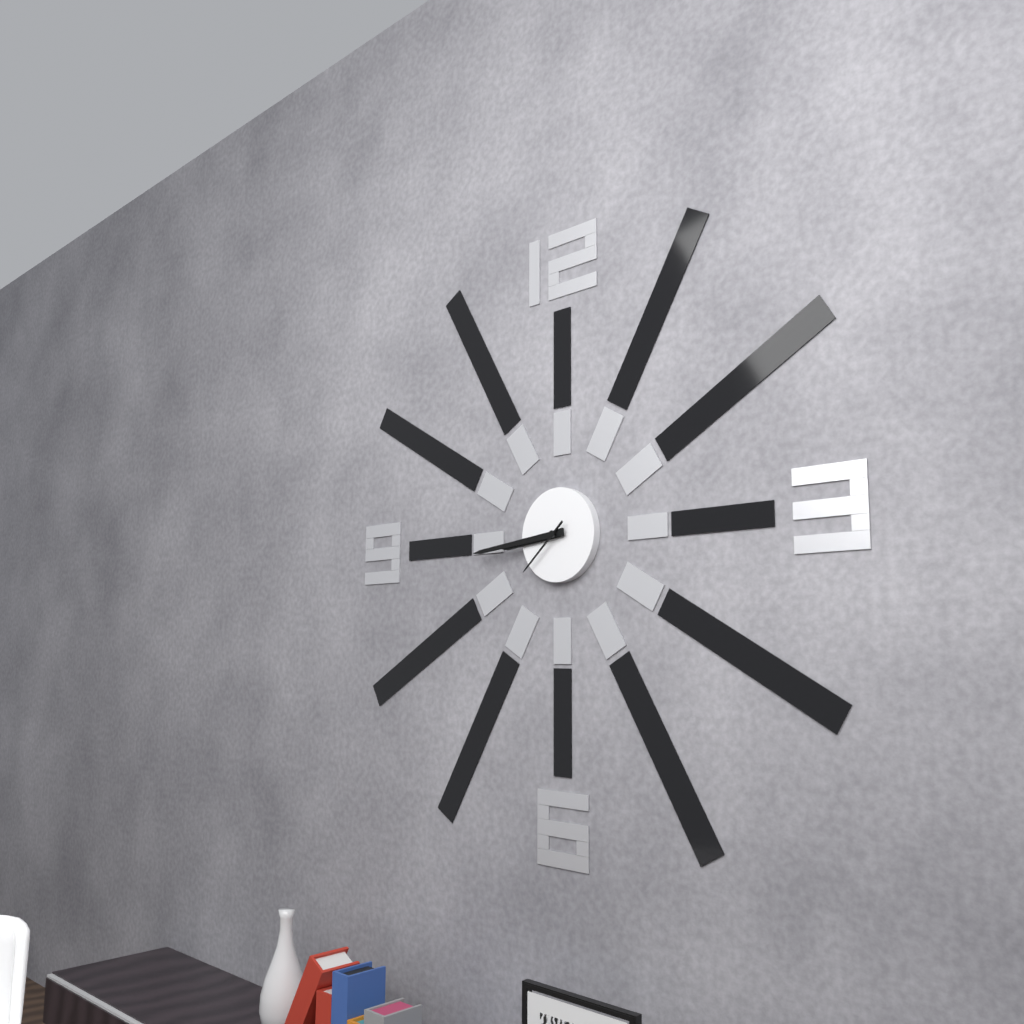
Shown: h=8 m=44 s=38
